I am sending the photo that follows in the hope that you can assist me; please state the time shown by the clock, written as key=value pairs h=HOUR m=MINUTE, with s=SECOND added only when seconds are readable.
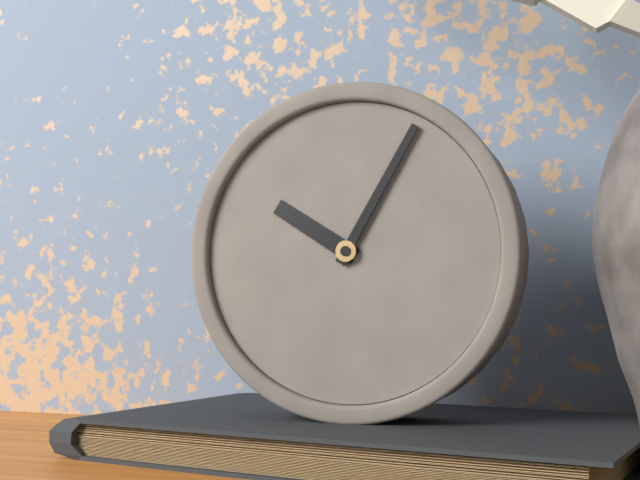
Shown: h=10 m=5
